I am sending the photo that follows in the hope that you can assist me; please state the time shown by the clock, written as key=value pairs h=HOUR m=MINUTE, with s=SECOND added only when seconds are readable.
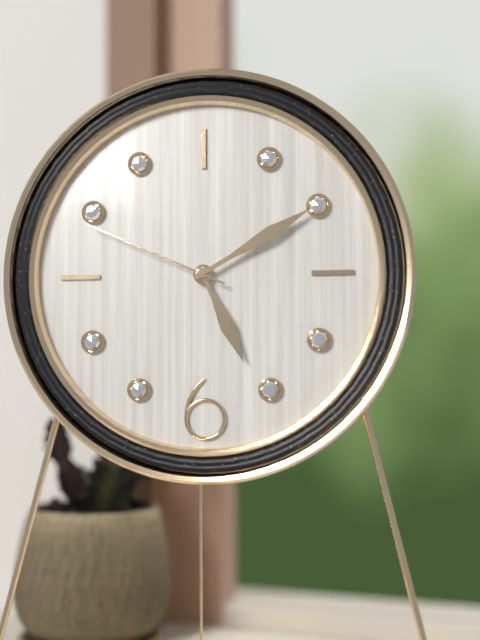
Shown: h=5 m=10 s=49
